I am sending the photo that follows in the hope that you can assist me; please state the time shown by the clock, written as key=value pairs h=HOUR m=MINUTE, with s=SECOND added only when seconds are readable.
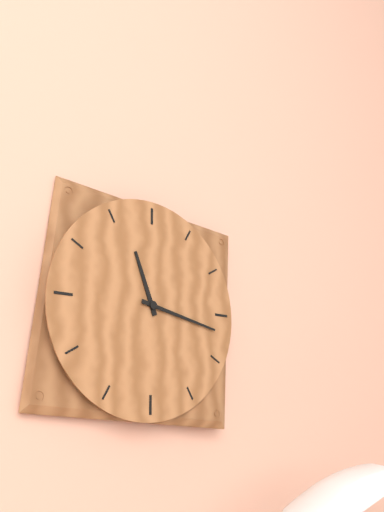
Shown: h=11 m=17
